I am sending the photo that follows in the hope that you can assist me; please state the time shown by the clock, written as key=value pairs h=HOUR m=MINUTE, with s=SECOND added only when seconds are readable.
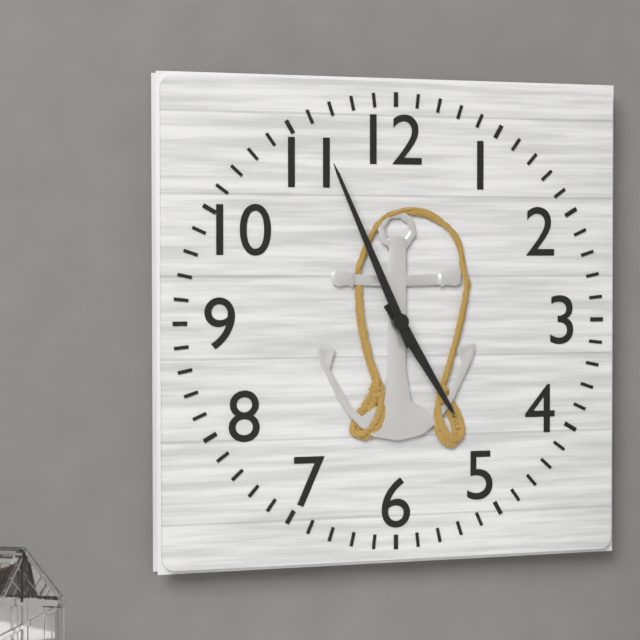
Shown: h=4 m=56
